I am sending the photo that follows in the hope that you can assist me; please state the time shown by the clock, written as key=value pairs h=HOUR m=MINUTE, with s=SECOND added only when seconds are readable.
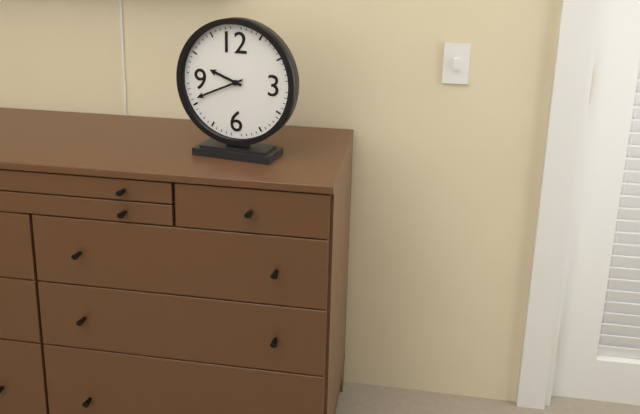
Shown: h=9 m=41
